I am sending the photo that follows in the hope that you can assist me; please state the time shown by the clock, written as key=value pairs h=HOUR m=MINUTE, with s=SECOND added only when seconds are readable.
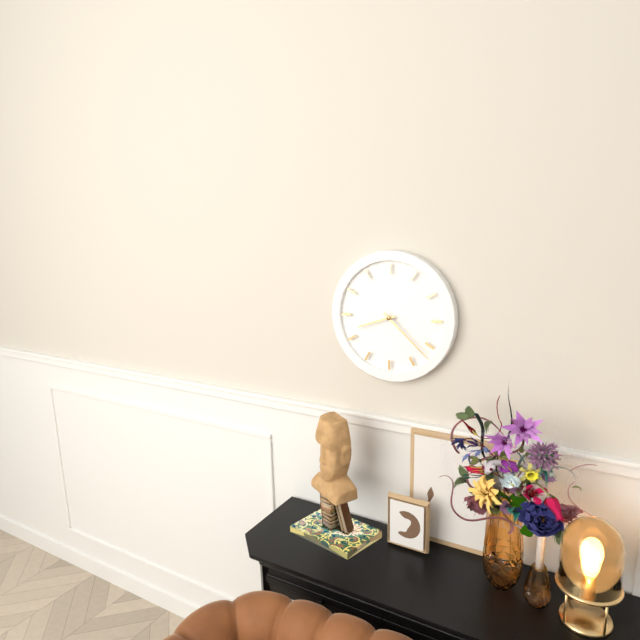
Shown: h=8 m=22
